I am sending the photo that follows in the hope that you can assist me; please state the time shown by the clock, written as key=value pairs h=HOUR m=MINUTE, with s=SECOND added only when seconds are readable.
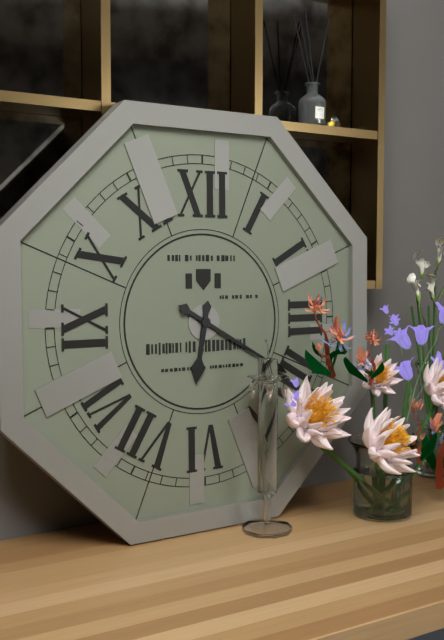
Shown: h=6 m=20
